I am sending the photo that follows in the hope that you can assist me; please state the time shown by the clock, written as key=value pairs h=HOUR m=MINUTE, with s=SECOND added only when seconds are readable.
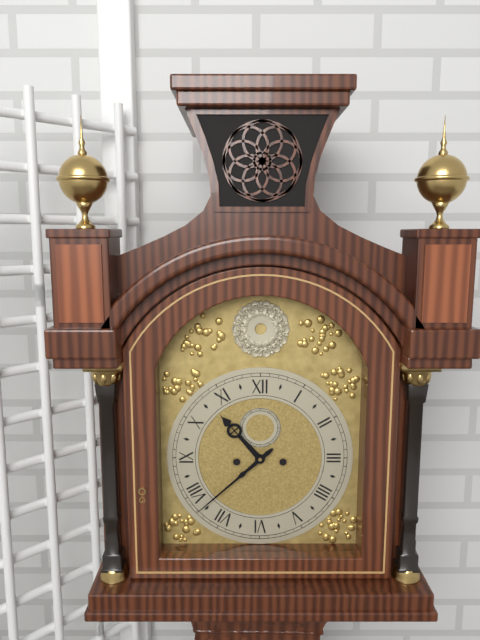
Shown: h=10 m=38
